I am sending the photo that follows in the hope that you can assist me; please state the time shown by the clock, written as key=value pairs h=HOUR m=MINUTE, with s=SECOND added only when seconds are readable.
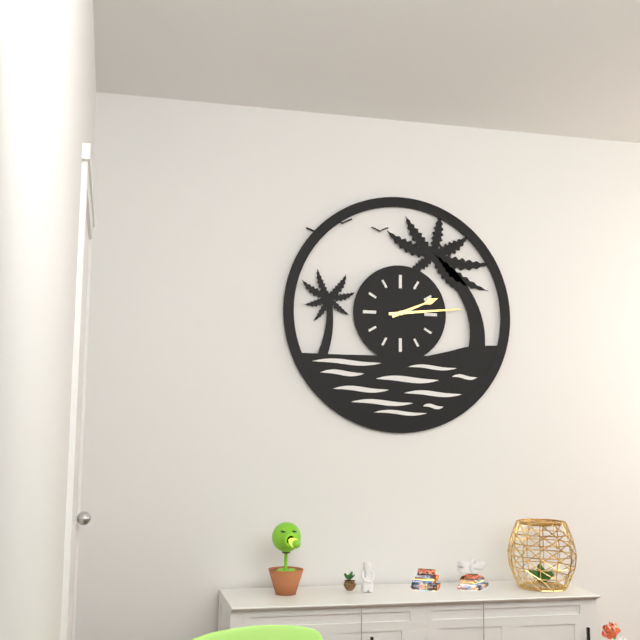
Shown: h=2 m=14
